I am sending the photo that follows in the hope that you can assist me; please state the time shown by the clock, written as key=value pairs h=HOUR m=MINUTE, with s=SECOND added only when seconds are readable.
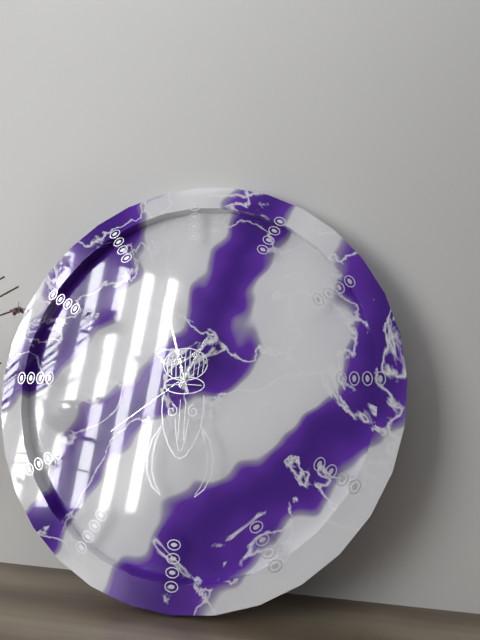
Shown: h=12 m=57 s=39
